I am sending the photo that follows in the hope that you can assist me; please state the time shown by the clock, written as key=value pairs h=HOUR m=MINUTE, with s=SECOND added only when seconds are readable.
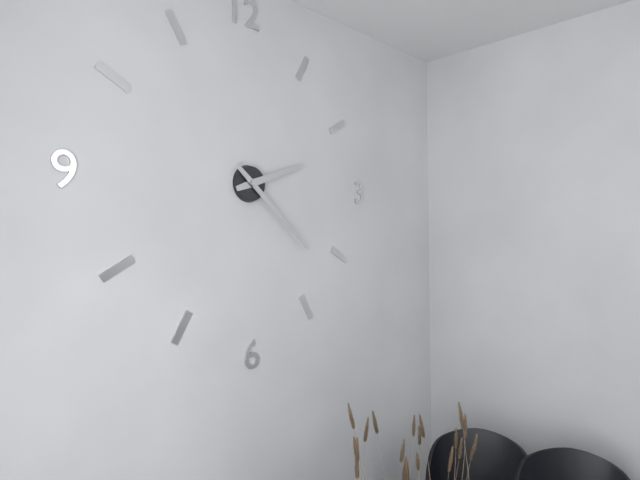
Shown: h=2 m=22
